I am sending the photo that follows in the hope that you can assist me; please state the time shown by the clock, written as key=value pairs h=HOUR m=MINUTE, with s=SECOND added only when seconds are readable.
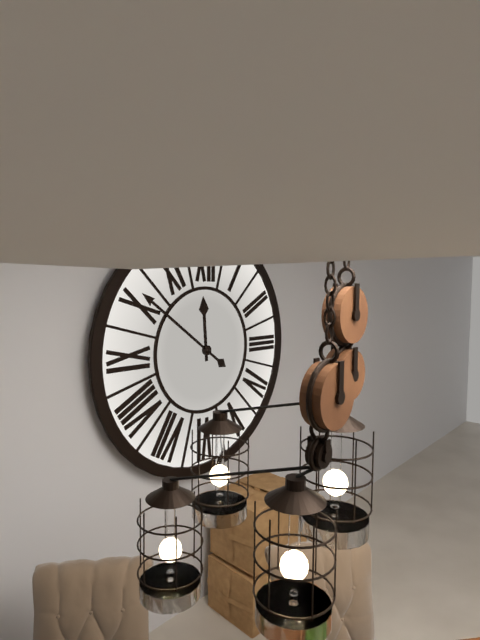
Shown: h=11 m=51
